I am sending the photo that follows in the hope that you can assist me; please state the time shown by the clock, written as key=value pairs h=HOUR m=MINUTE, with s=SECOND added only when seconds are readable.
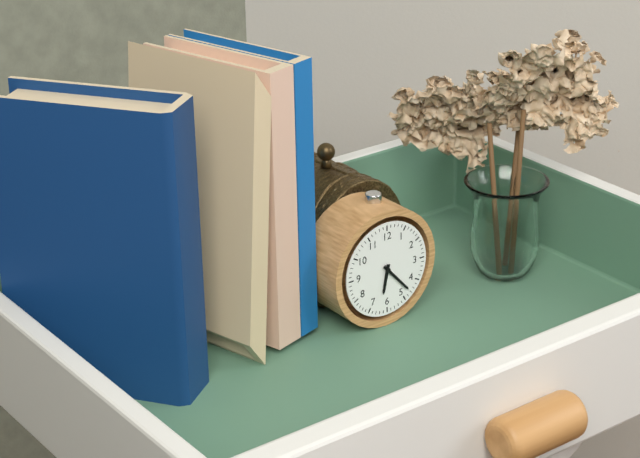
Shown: h=6 m=23
